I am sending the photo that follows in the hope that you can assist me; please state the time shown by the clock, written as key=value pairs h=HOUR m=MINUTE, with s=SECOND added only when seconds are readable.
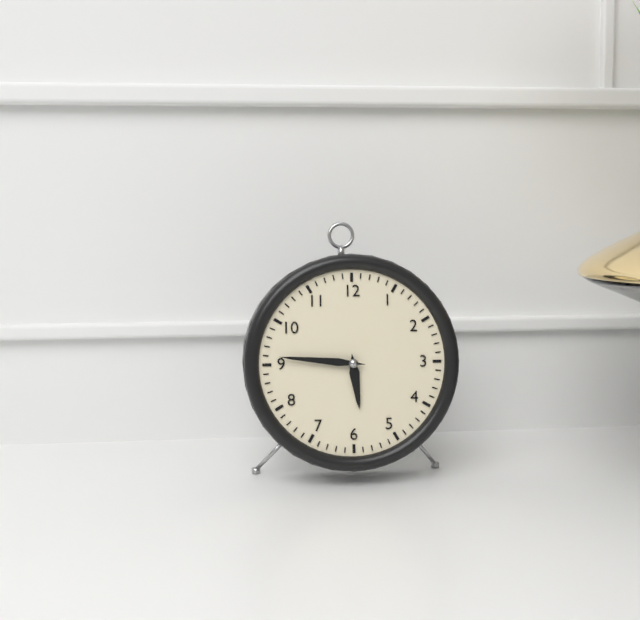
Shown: h=5 m=46
